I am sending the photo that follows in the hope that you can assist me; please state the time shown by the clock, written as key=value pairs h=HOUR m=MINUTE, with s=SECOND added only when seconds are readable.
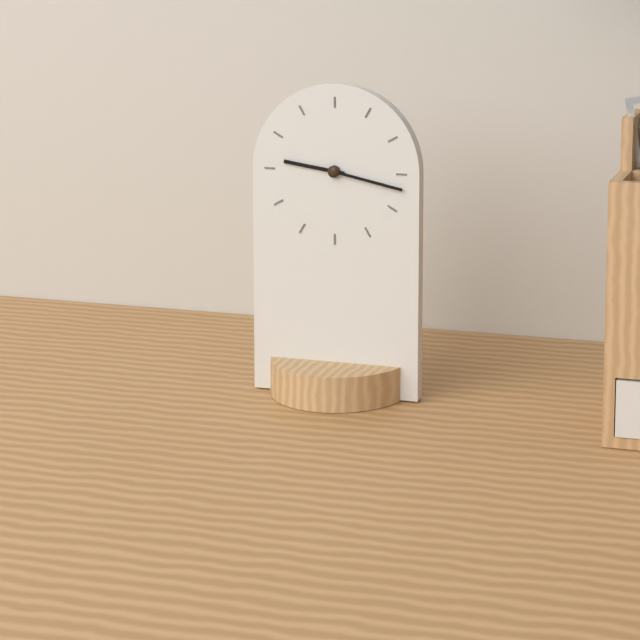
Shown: h=9 m=17
